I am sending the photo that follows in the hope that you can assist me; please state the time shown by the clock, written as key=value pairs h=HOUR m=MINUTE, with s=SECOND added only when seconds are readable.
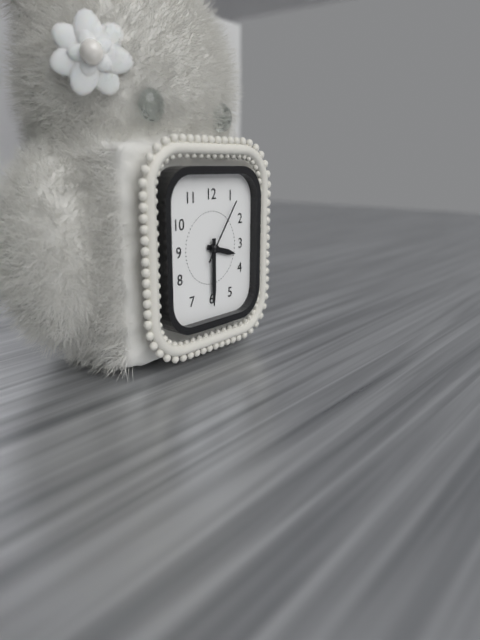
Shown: h=3 m=30 s=6
